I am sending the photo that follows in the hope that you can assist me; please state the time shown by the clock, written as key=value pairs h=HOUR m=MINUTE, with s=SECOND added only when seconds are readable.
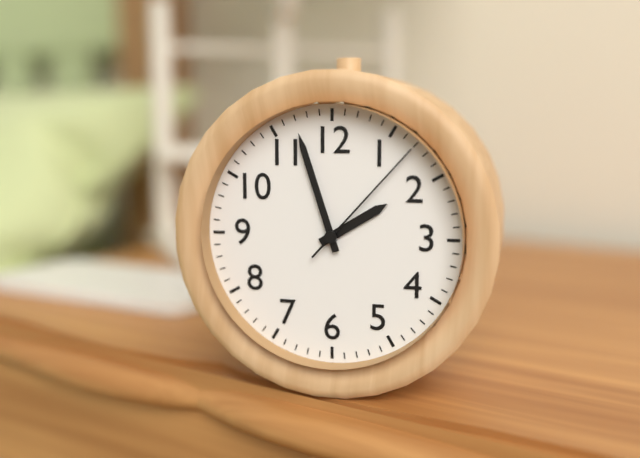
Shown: h=1 m=57 s=7
